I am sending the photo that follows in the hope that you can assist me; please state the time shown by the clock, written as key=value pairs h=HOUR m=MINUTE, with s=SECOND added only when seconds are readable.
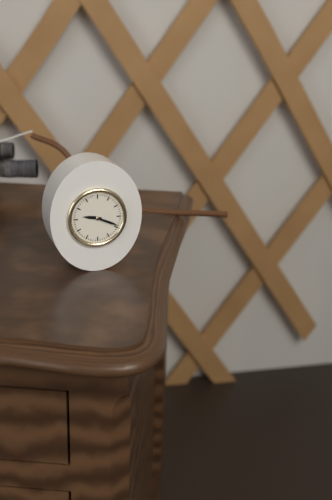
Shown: h=9 m=19
